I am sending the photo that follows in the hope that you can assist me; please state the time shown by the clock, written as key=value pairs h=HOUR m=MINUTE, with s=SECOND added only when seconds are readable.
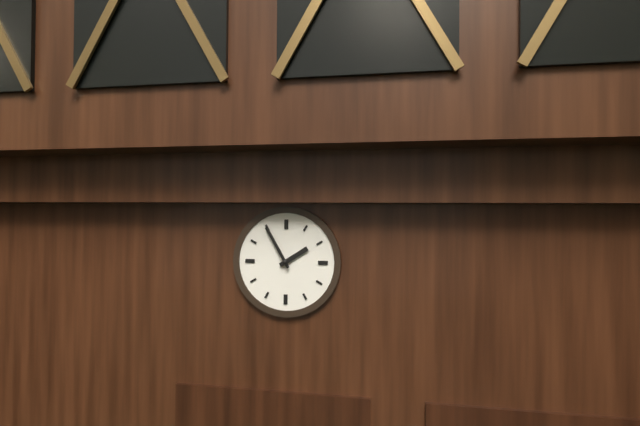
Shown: h=1 m=55
